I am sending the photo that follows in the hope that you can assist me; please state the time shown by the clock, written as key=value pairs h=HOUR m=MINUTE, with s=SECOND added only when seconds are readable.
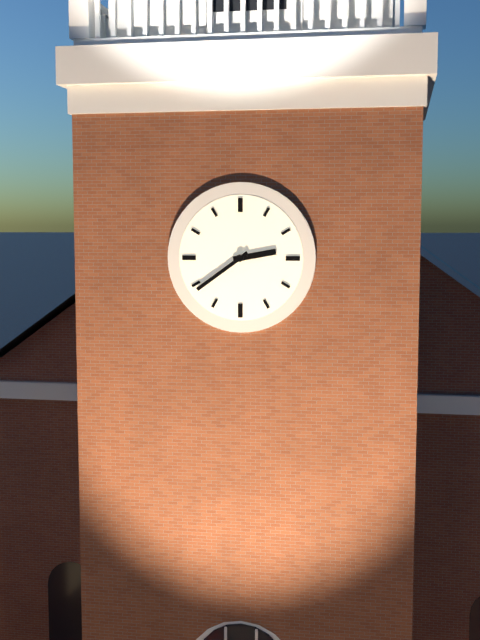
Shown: h=2 m=39
